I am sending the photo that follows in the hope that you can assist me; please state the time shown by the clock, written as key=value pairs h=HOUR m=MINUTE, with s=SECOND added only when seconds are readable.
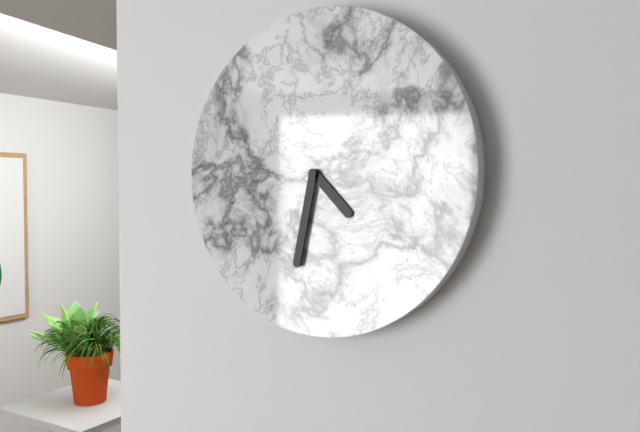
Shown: h=4 m=32
